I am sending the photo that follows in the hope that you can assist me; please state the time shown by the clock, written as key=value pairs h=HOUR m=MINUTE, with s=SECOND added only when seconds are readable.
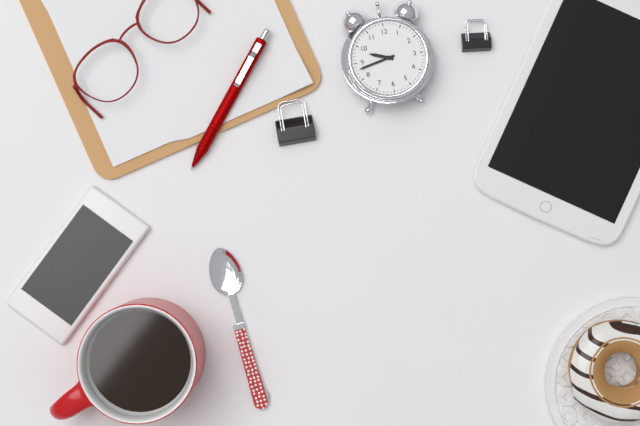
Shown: h=9 m=43
